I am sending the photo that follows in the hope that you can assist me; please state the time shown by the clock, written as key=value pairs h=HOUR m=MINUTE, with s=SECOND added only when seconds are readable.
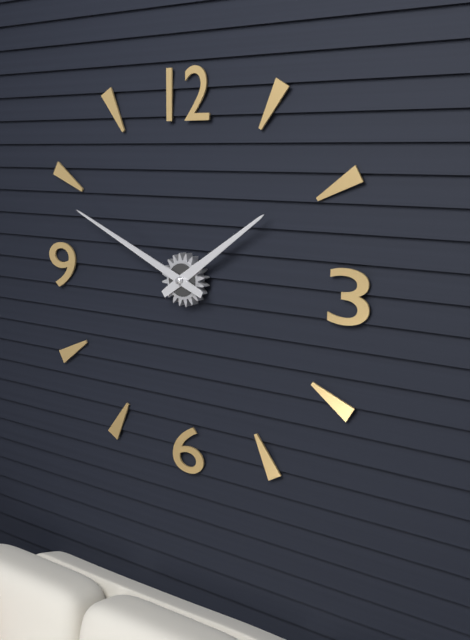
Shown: h=1 m=49
